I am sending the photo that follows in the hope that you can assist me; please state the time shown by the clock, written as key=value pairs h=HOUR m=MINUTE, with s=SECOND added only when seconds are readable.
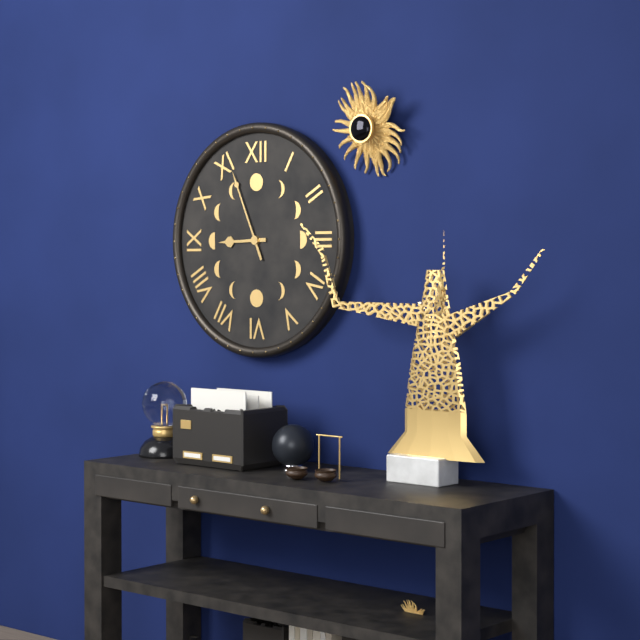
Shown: h=8 m=56
